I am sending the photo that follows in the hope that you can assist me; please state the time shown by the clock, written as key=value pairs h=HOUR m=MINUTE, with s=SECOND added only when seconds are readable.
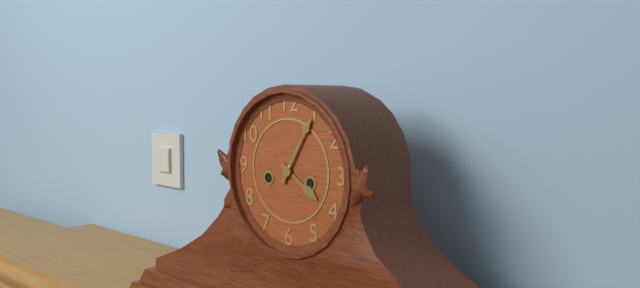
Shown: h=4 m=5
